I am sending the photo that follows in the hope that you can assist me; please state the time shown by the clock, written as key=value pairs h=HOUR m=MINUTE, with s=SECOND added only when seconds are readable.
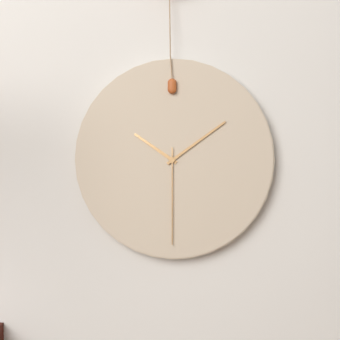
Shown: h=10 m=9 s=30
